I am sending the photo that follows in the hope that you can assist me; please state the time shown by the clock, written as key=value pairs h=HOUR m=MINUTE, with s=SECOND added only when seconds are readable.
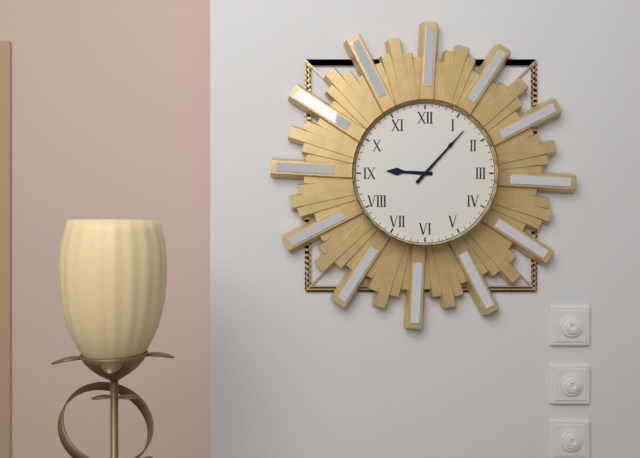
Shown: h=9 m=7
